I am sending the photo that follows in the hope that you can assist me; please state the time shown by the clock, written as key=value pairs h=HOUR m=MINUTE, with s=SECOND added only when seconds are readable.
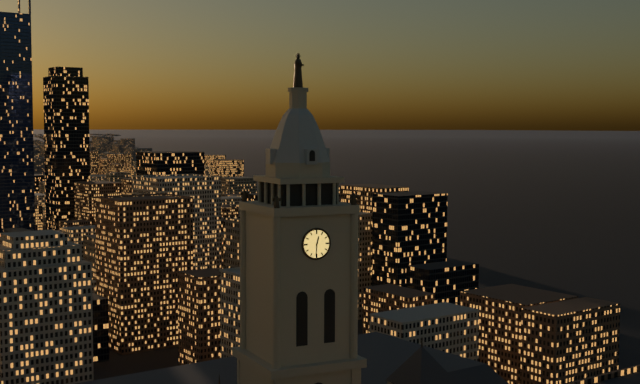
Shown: h=12 m=31
